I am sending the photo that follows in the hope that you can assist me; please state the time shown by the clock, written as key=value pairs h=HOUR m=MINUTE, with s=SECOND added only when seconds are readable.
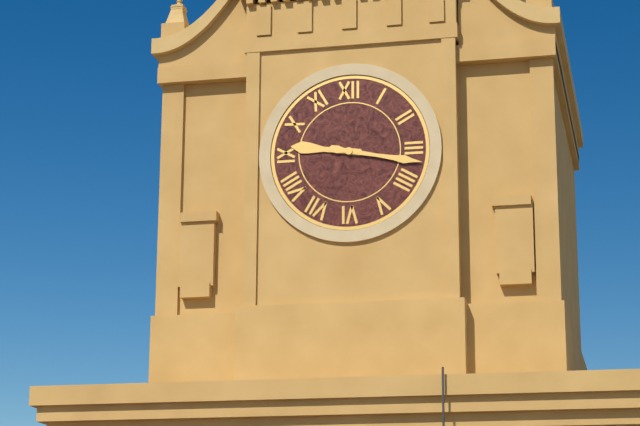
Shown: h=9 m=17
